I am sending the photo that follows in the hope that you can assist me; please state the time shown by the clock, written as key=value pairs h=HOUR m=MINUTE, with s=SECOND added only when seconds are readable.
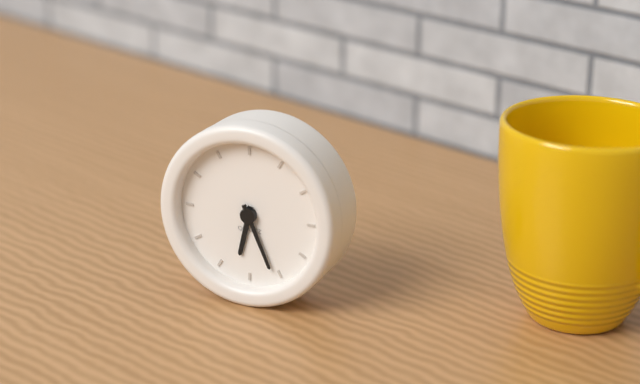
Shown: h=6 m=26
